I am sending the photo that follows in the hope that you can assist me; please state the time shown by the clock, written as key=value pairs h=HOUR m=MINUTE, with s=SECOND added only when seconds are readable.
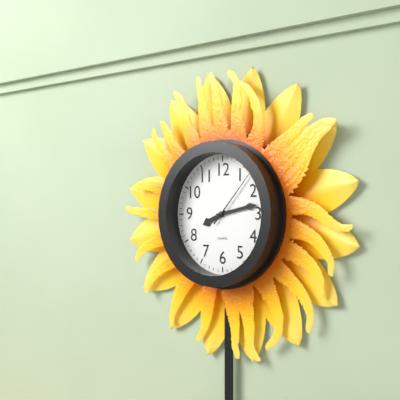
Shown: h=8 m=13 s=7
